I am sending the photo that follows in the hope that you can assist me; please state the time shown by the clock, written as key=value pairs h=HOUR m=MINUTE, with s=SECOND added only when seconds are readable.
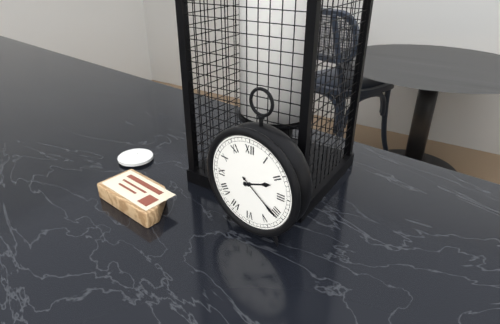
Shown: h=2 m=21
